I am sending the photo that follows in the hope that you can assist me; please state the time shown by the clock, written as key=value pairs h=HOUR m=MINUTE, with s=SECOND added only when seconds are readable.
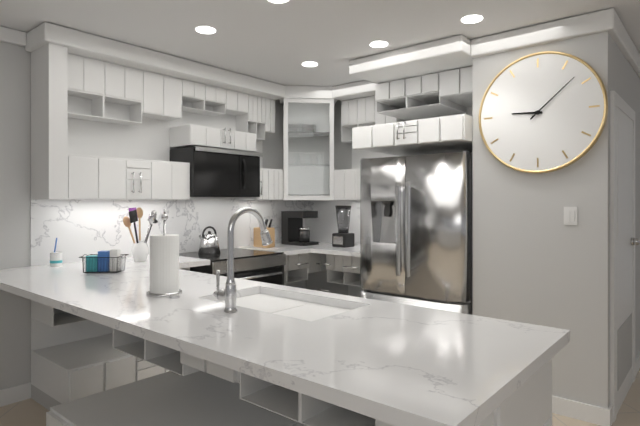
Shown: h=9 m=8
